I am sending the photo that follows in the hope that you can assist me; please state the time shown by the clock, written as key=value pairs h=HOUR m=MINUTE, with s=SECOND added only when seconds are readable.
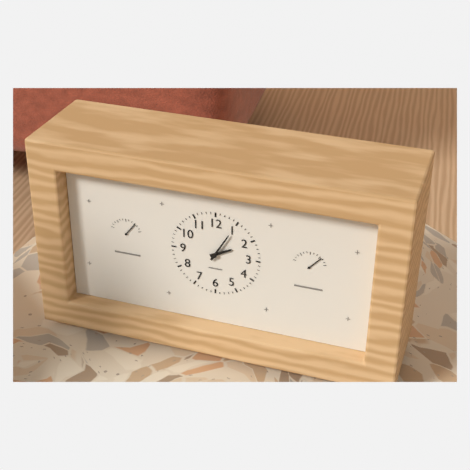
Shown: h=2 m=5
